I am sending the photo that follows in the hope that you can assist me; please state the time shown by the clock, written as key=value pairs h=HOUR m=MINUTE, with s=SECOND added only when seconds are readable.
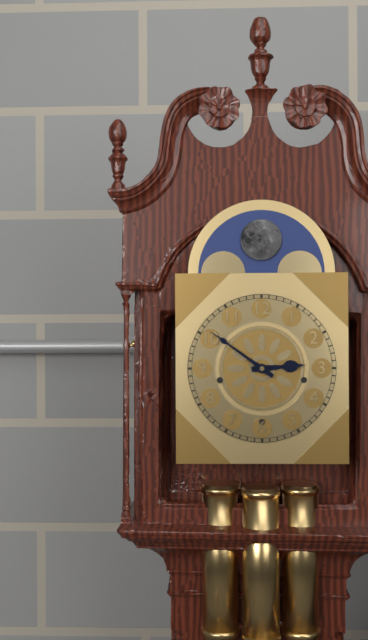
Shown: h=2 m=51
